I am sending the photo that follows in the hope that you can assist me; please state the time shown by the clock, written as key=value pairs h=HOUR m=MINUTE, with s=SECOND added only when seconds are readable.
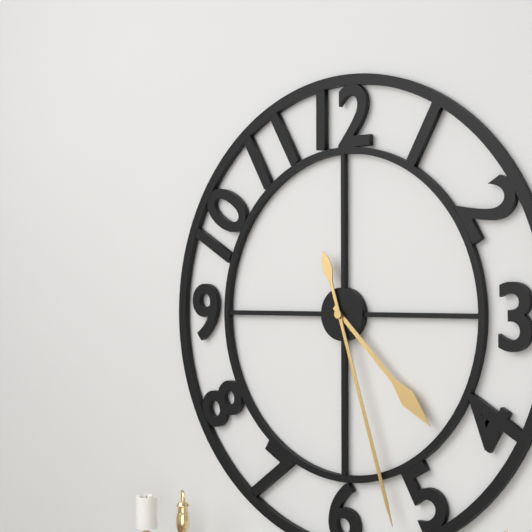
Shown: h=4 m=27
